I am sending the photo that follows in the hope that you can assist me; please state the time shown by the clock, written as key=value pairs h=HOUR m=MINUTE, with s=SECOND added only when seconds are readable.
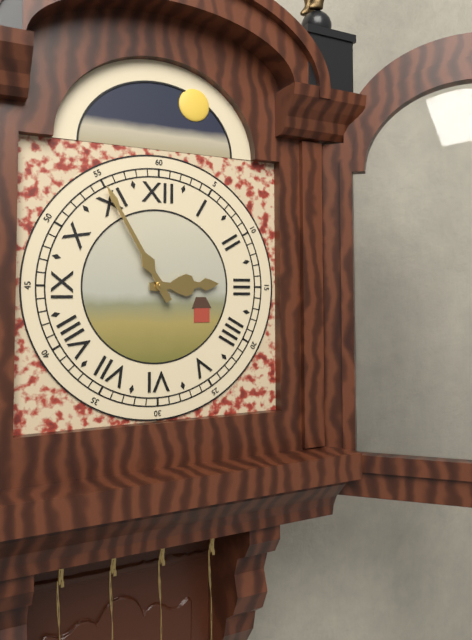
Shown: h=2 m=55
